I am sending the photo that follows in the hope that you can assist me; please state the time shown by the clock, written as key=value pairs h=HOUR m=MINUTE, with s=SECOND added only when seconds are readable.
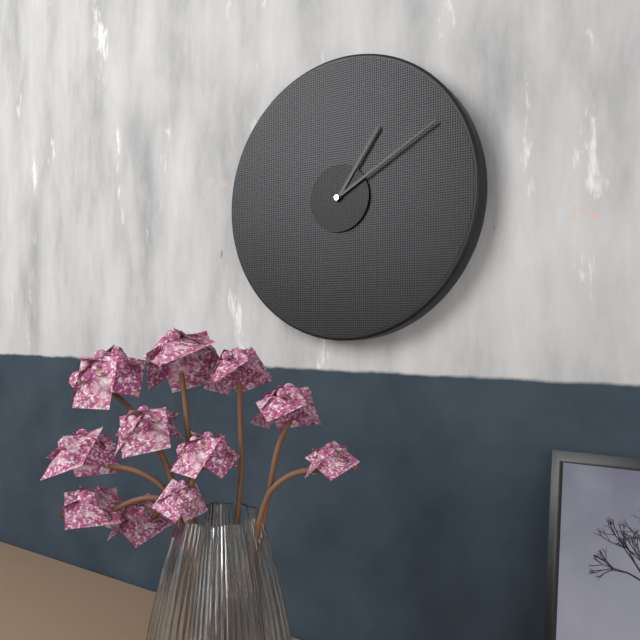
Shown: h=1 m=10
